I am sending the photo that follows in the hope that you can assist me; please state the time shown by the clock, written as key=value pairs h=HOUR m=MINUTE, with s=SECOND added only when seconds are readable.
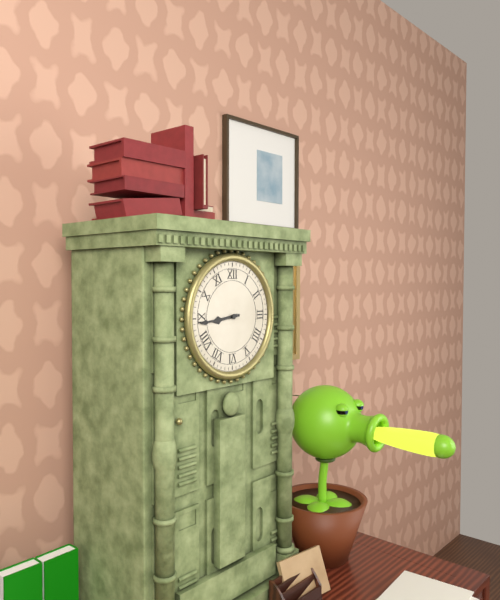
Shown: h=8 m=44
